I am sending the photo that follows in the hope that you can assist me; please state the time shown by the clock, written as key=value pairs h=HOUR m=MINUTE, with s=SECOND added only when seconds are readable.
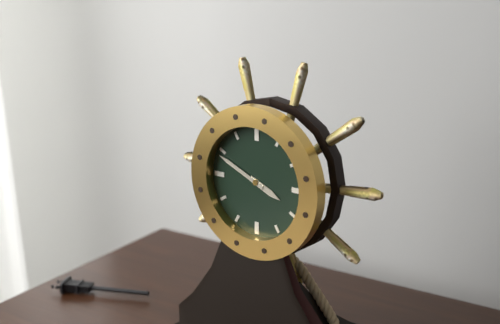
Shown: h=3 m=49
